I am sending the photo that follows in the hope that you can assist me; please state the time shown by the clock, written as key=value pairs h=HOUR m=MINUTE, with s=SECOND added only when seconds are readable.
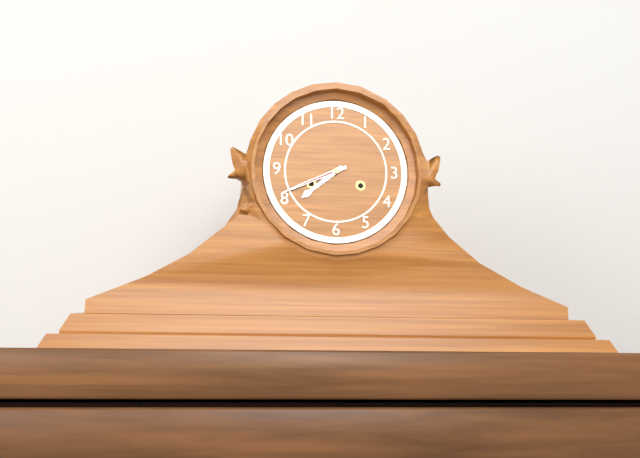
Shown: h=7 m=41
